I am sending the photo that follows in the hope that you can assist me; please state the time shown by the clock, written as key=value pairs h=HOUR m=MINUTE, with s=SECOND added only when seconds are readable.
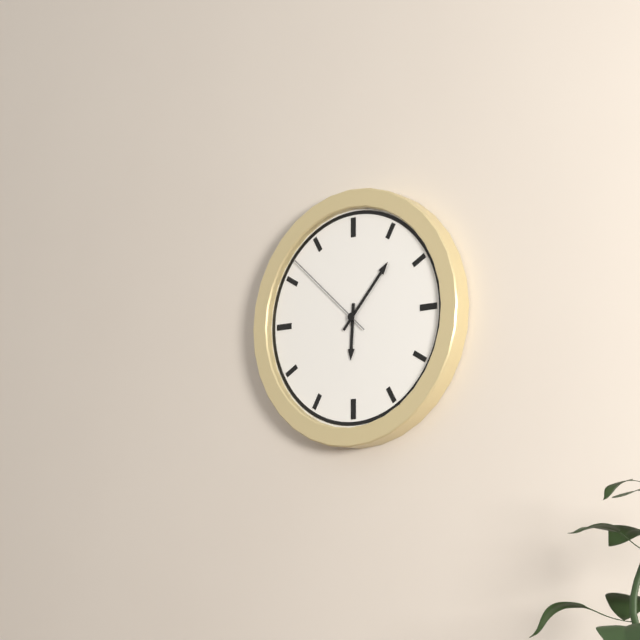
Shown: h=6 m=7 s=52
